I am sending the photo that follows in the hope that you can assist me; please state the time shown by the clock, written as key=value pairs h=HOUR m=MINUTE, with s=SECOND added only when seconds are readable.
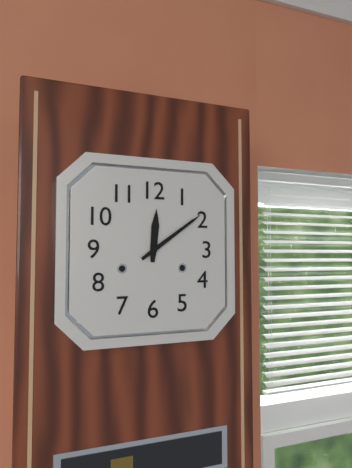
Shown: h=12 m=9
